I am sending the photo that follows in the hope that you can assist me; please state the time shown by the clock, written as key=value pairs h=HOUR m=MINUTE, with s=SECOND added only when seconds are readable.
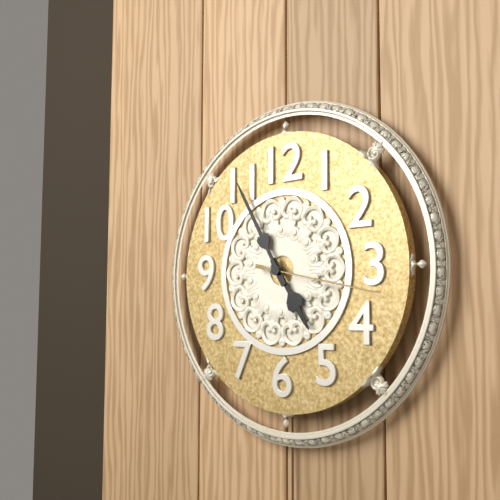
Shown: h=4 m=55 s=17
